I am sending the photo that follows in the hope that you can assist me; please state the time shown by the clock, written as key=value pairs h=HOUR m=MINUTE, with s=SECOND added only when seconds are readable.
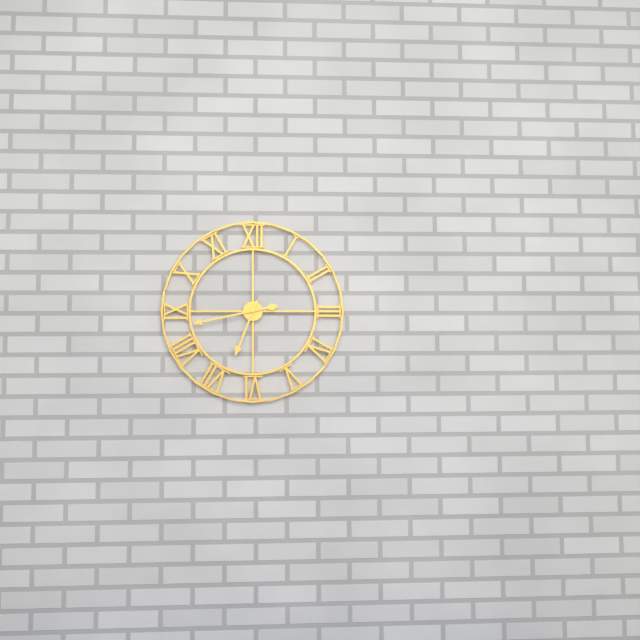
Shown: h=6 m=43
